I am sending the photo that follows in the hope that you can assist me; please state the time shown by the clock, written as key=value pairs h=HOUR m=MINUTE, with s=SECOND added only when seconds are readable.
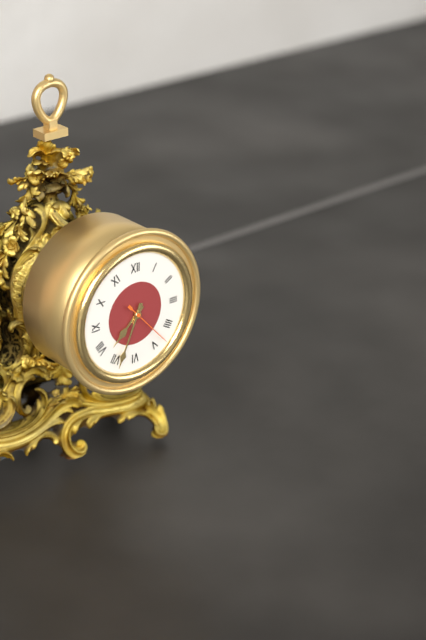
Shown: h=7 m=34 s=23
